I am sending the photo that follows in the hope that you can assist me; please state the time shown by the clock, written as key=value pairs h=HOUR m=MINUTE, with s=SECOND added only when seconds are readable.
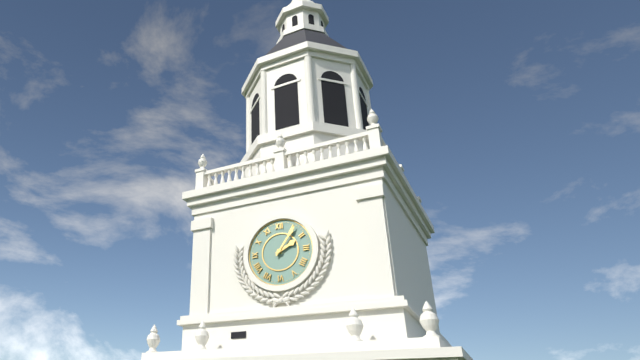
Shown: h=2 m=6
